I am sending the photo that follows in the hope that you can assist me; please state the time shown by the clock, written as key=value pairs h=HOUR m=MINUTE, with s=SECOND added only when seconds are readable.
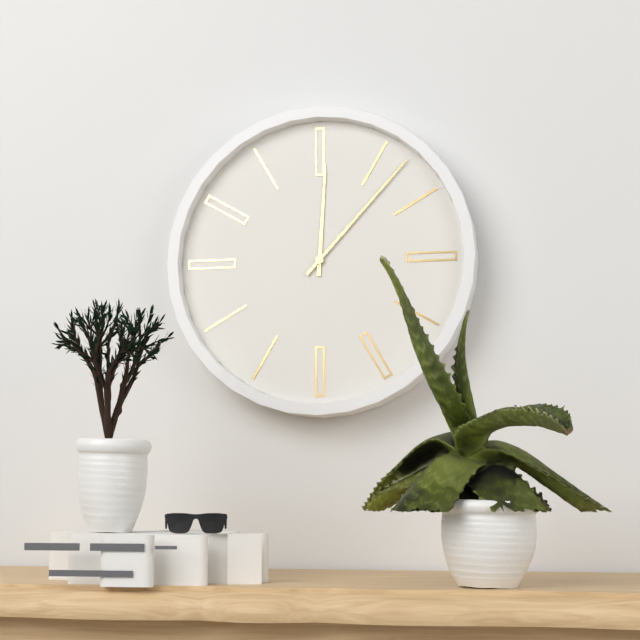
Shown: h=12 m=7
